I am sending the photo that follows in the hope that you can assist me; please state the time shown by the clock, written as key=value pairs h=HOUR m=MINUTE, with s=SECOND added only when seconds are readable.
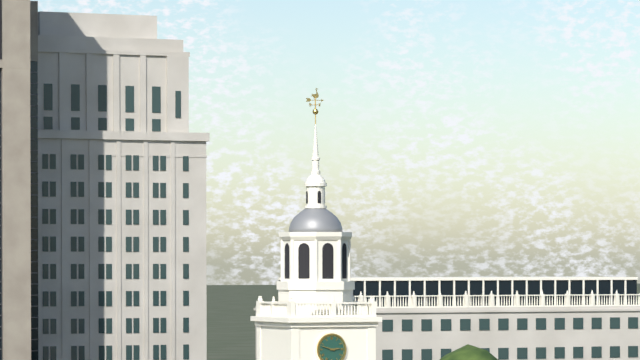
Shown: h=2 m=48
